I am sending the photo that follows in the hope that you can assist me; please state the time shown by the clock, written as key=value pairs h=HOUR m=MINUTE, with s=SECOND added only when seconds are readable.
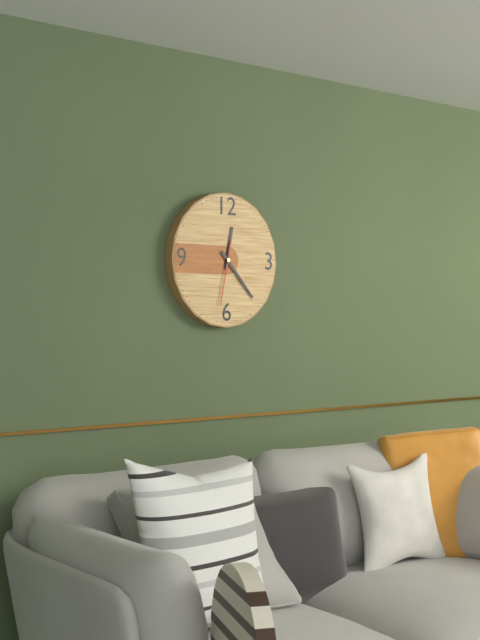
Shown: h=12 m=23 s=32
